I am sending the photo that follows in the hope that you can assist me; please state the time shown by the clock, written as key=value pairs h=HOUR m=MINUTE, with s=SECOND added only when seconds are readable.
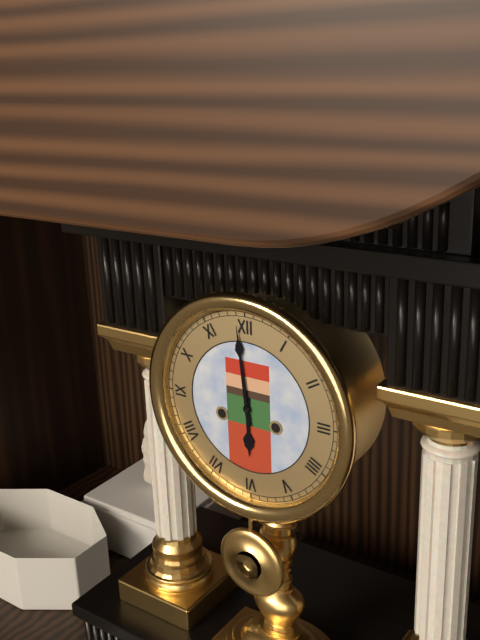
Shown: h=5 m=59
